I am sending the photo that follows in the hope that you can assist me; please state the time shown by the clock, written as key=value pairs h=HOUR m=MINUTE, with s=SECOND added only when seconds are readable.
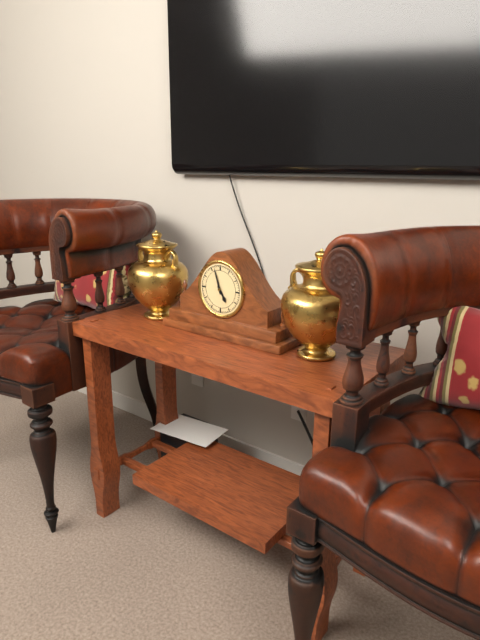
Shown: h=4 m=57
